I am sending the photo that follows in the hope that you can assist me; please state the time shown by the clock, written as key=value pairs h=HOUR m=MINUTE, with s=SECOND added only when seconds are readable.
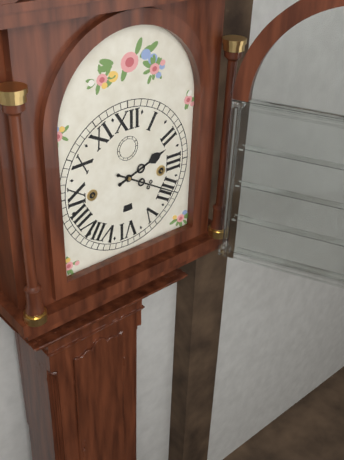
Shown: h=2 m=20
